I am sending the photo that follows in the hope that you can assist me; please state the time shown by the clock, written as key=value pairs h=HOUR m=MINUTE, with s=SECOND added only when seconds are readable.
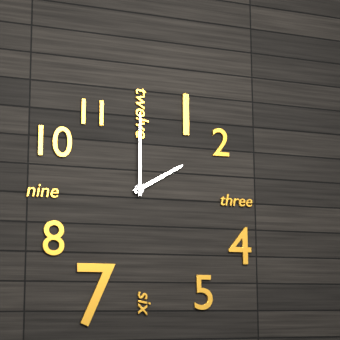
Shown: h=2 m=0
